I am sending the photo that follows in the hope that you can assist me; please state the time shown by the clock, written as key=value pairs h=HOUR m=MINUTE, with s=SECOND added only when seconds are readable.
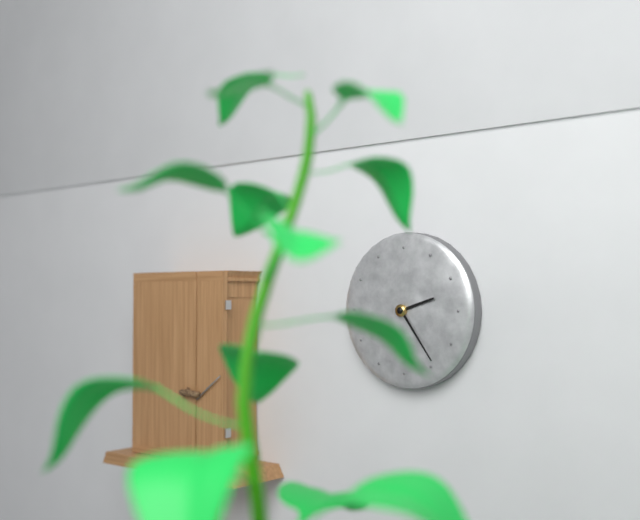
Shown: h=2 m=24
